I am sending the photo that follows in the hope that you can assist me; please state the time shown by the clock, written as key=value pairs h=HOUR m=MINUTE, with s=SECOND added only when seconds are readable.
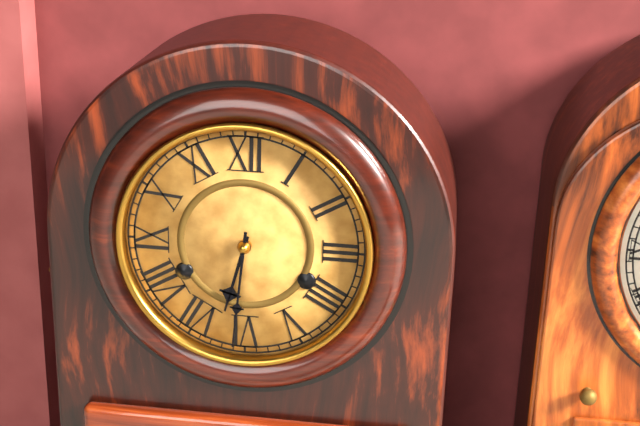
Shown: h=6 m=31
